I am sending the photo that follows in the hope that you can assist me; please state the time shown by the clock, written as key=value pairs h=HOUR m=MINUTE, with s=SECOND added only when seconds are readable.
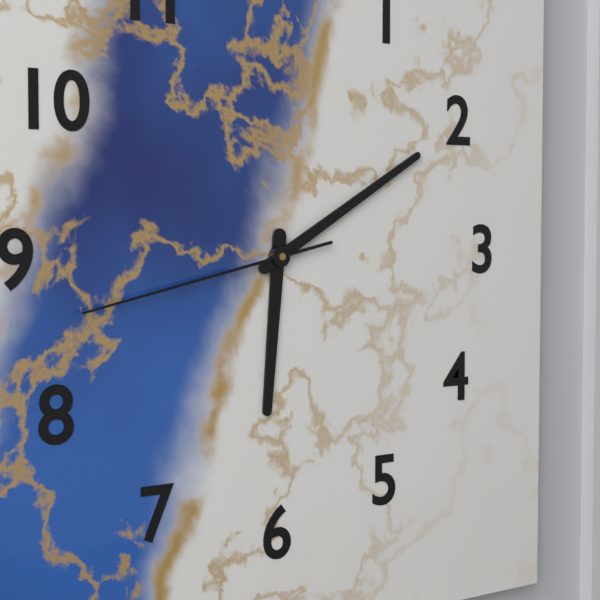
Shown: h=6 m=10 s=43
